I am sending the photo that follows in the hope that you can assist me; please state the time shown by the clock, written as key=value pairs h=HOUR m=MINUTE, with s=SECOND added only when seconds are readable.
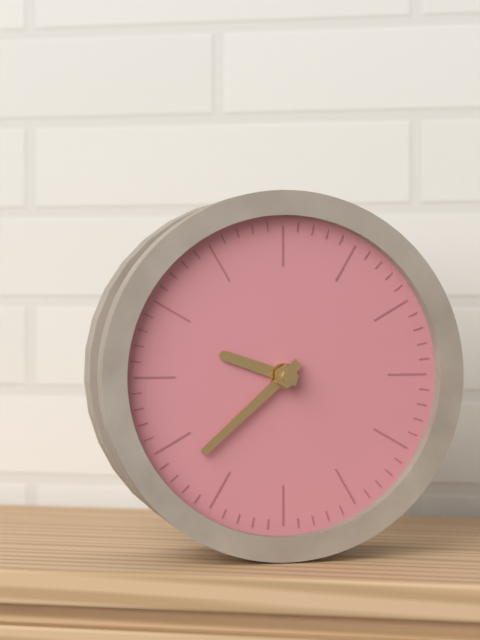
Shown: h=9 m=38
